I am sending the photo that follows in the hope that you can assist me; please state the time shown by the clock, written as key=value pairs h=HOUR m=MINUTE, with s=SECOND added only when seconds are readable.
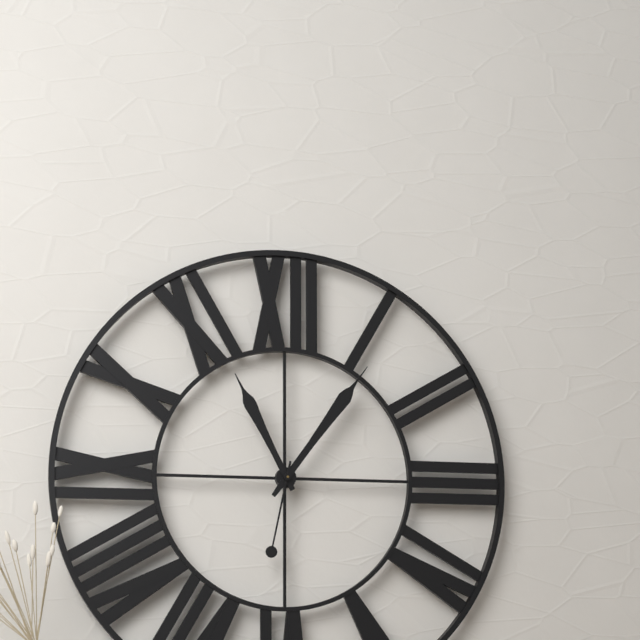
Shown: h=11 m=6 s=32
